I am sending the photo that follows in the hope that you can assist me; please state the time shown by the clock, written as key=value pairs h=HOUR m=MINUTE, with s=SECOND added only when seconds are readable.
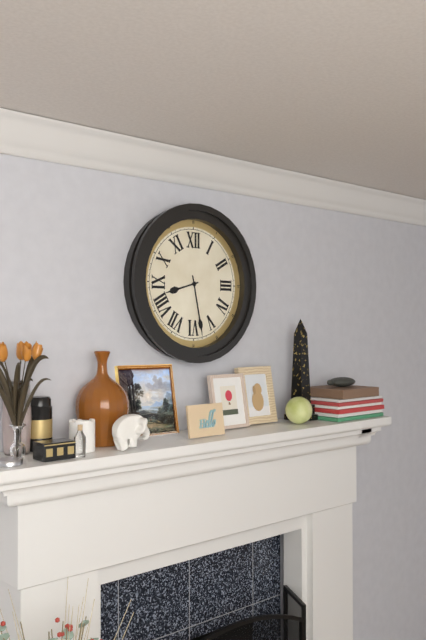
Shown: h=8 m=28
